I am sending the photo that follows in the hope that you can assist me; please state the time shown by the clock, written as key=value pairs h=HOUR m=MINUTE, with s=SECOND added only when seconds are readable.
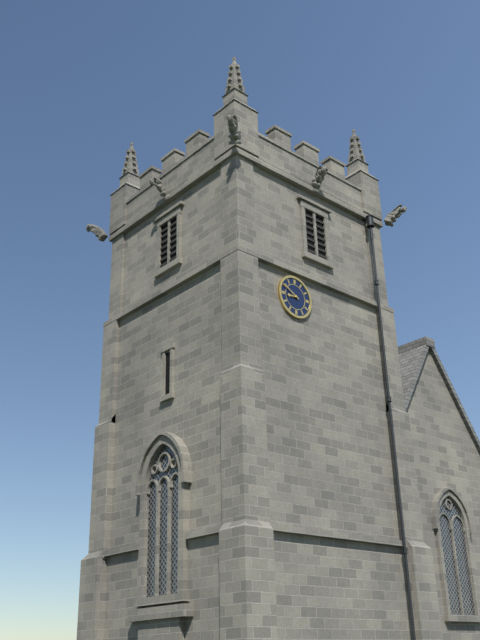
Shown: h=8 m=50
